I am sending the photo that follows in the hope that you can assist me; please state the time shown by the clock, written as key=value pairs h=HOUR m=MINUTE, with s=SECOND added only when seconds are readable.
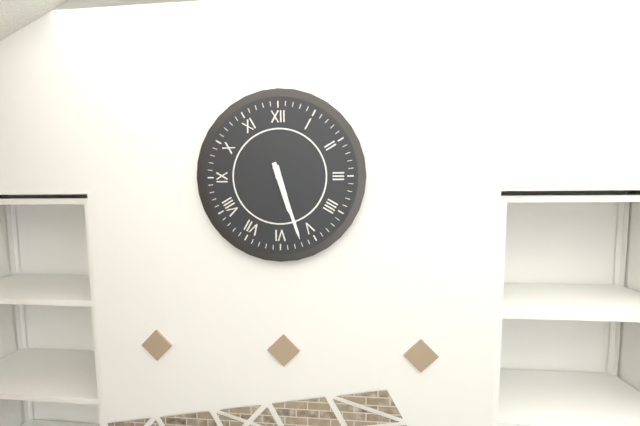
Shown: h=5 m=27
